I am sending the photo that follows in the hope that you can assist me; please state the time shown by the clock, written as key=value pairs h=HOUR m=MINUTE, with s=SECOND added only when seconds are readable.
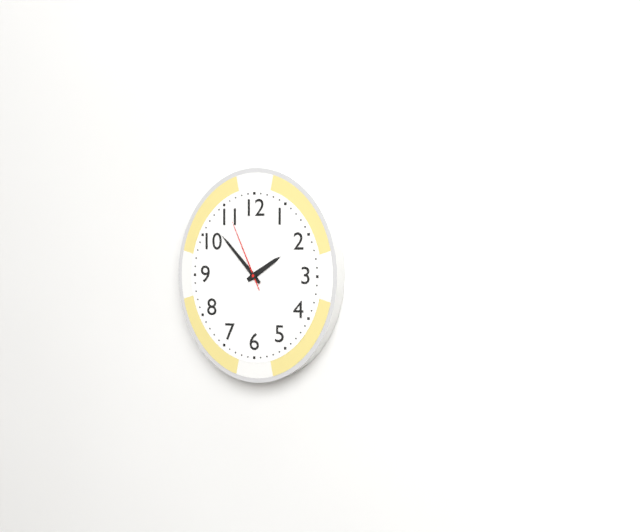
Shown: h=1 m=53 s=56
